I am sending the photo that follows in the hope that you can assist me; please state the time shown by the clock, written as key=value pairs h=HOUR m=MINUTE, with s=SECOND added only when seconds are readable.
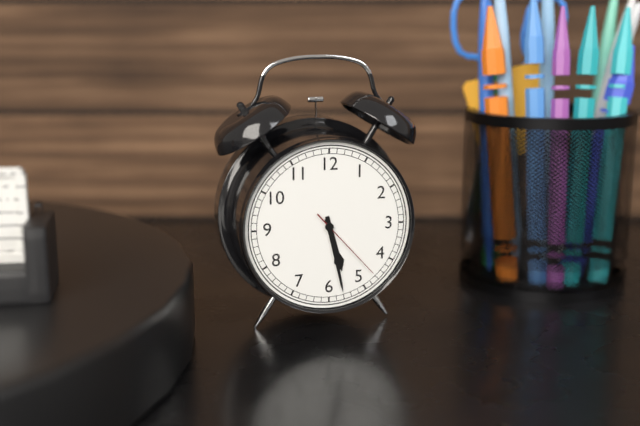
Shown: h=5 m=28 s=23
